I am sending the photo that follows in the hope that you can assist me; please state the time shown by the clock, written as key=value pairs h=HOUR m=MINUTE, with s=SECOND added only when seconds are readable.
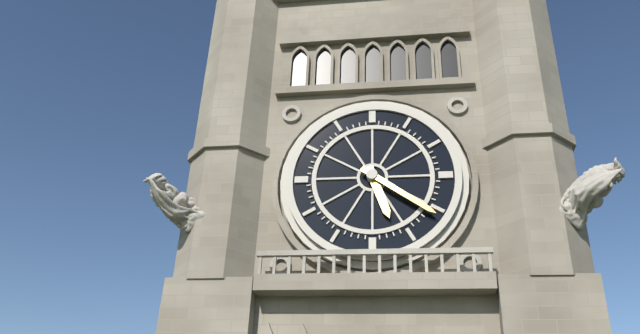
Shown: h=5 m=21
